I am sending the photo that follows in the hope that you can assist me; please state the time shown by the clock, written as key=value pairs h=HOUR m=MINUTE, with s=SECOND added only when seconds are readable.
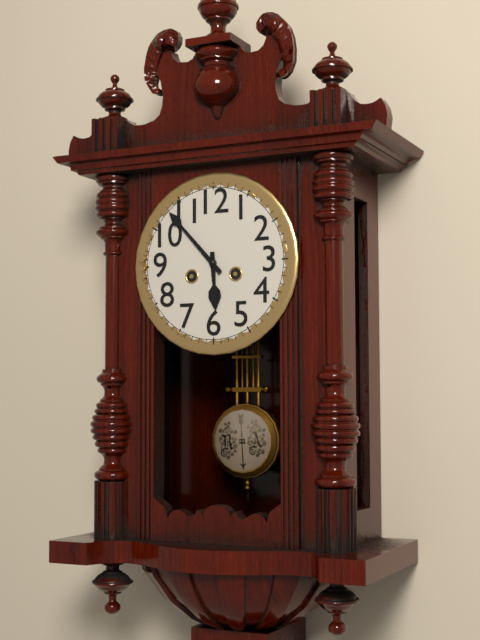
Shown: h=5 m=53
